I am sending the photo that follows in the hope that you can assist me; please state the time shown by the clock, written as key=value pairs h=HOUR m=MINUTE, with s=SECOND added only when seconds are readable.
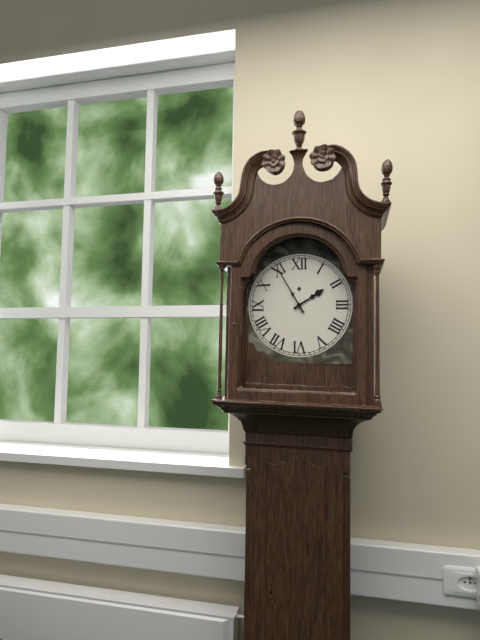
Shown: h=1 m=55
